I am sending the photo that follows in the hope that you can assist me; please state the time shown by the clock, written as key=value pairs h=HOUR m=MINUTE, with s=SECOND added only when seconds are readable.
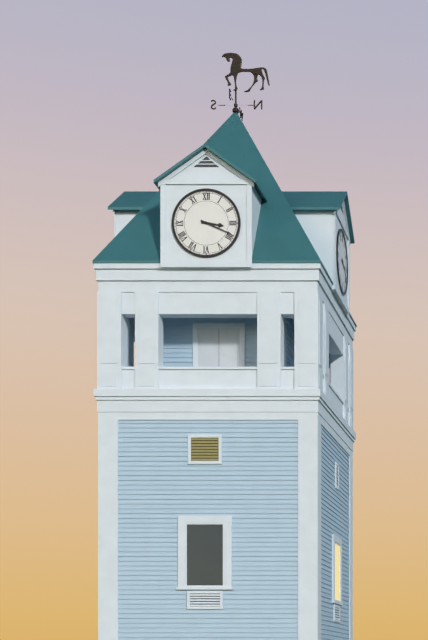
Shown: h=3 m=19
